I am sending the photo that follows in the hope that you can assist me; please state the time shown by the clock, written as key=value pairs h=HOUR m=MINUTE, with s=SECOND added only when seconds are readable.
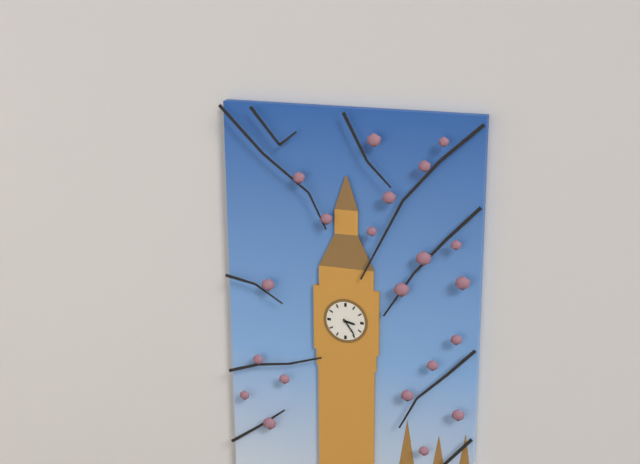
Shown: h=3 m=24
